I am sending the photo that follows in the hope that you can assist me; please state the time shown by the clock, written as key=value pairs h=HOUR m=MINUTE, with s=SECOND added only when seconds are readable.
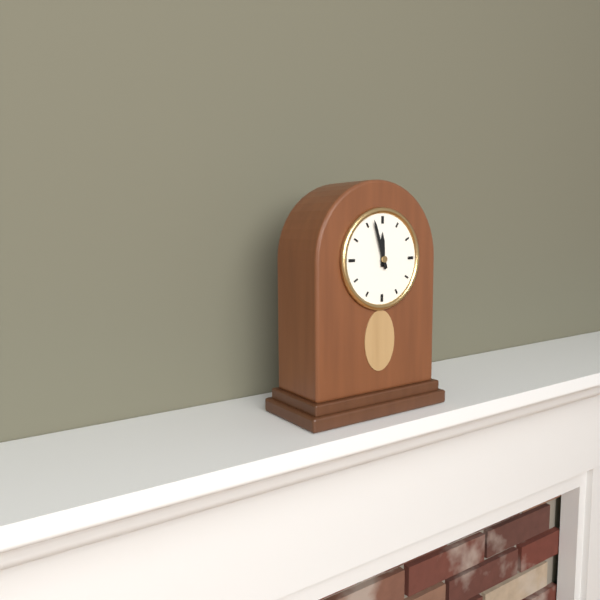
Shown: h=11 m=57
